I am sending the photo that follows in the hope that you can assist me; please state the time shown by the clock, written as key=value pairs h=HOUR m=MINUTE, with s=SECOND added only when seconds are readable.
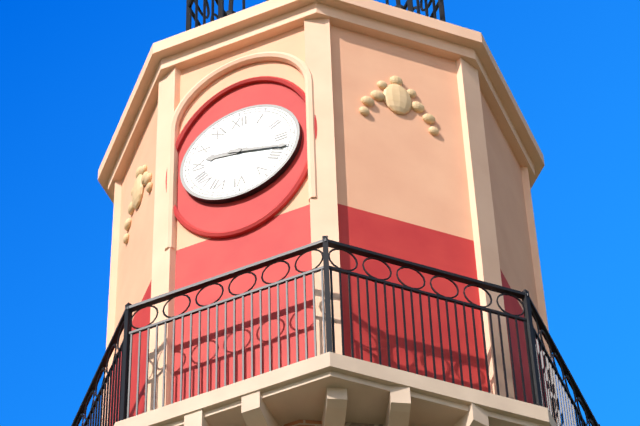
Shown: h=9 m=18
